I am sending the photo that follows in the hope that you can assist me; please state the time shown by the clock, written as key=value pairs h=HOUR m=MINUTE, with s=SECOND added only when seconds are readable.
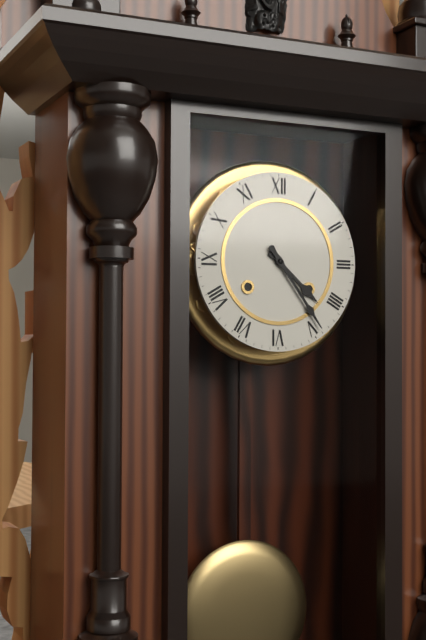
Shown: h=4 m=24
